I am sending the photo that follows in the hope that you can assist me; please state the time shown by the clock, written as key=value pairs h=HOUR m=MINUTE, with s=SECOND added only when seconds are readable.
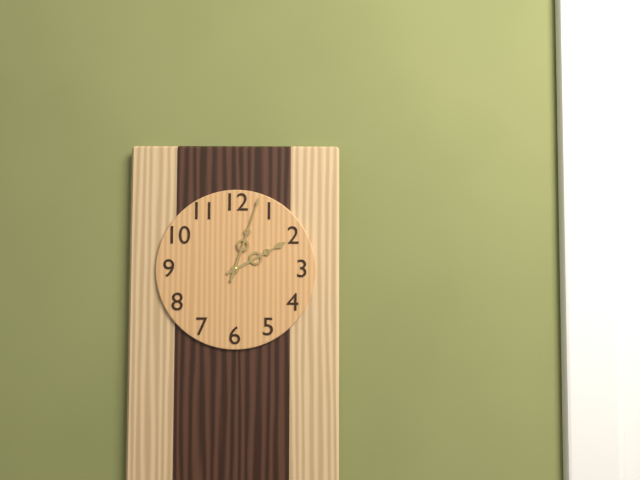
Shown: h=2 m=3
